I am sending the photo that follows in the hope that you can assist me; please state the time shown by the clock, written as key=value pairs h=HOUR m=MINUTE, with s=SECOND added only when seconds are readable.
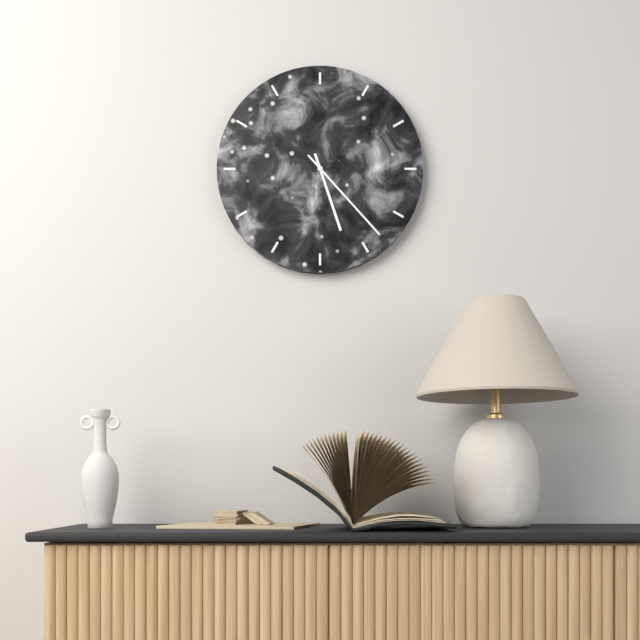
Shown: h=5 m=23
